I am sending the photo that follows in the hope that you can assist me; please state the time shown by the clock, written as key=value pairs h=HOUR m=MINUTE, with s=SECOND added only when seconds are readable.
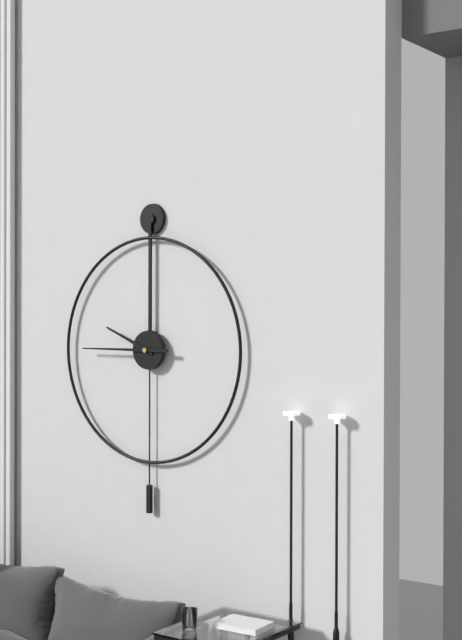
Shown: h=9 m=45
